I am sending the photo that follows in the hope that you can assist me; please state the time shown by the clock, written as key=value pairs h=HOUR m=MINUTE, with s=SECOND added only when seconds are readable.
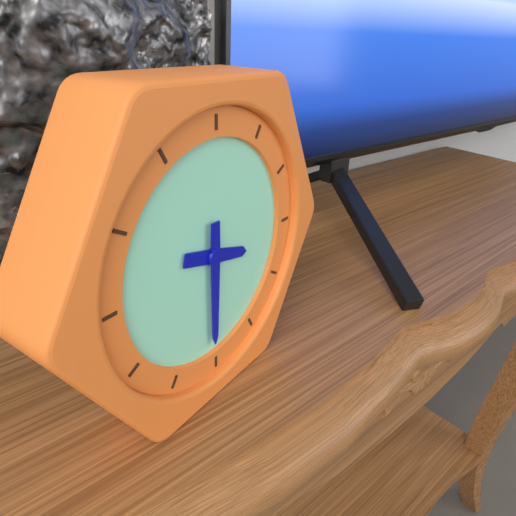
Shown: h=3 m=30
